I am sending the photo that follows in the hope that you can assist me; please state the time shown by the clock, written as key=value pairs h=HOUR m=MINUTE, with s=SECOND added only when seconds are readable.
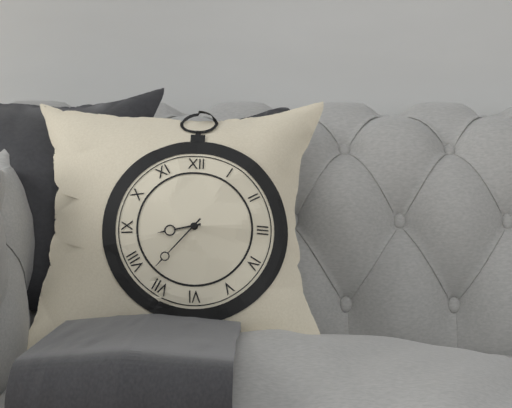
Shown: h=8 m=37
